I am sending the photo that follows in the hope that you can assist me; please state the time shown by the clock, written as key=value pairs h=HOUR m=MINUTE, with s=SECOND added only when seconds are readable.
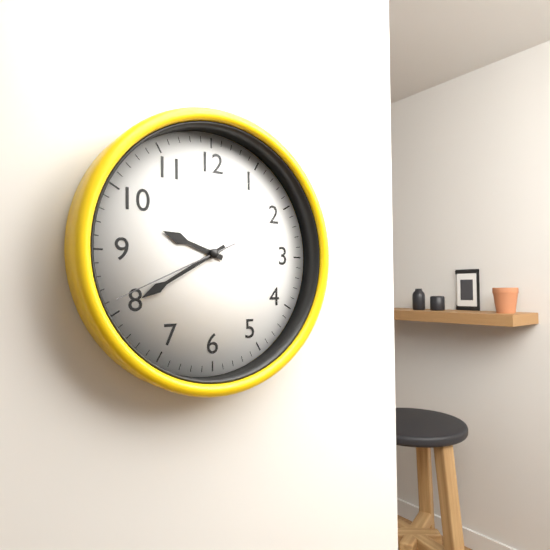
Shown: h=9 m=40 s=41
